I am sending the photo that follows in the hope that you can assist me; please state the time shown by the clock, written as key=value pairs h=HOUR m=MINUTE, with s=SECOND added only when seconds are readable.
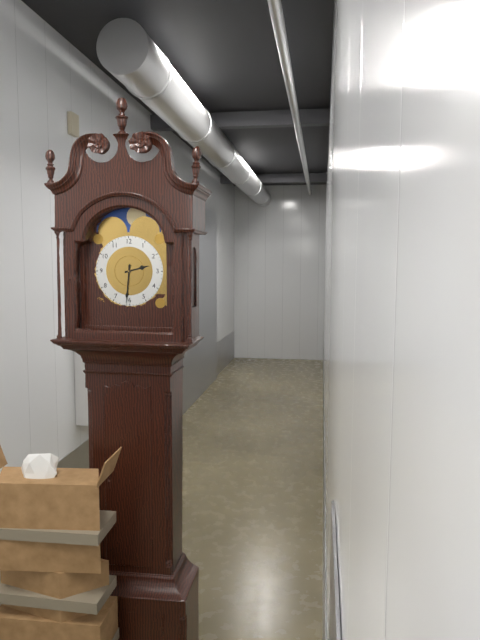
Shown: h=2 m=31
